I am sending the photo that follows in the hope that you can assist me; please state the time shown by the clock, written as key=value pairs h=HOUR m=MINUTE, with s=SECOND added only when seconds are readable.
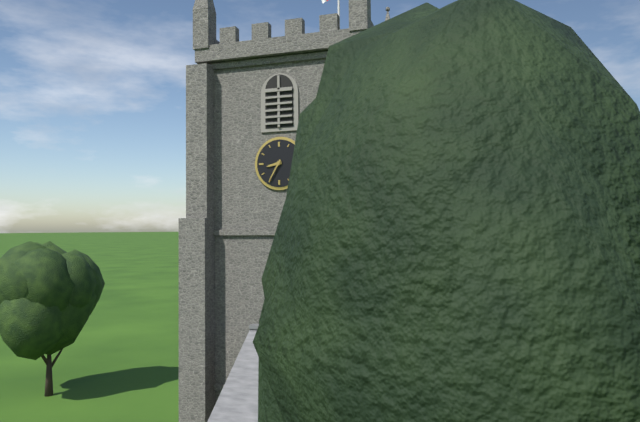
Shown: h=8 m=35
